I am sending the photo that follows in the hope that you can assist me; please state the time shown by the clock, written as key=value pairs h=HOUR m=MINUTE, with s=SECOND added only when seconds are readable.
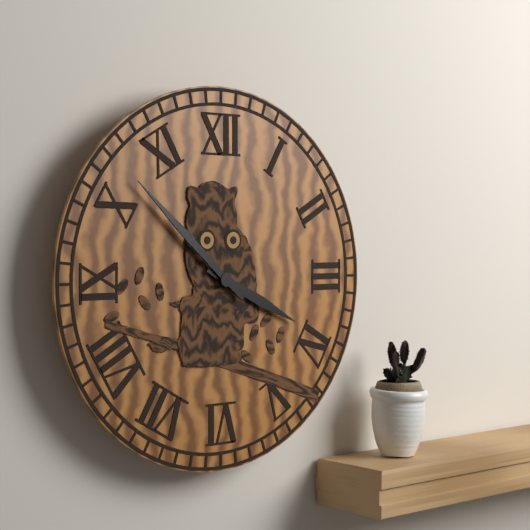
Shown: h=3 m=52
